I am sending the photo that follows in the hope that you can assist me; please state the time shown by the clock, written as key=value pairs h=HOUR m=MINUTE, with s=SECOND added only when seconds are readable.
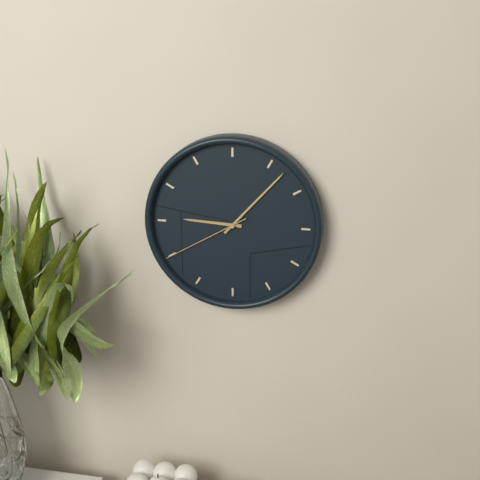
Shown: h=9 m=7 s=40
